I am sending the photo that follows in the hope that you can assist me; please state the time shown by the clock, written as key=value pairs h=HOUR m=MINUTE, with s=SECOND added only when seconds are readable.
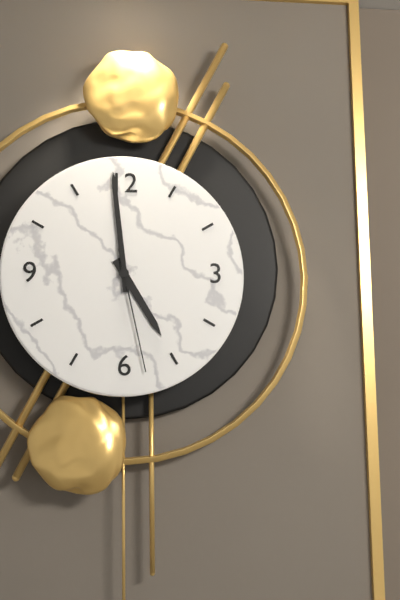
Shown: h=4 m=59 s=28
